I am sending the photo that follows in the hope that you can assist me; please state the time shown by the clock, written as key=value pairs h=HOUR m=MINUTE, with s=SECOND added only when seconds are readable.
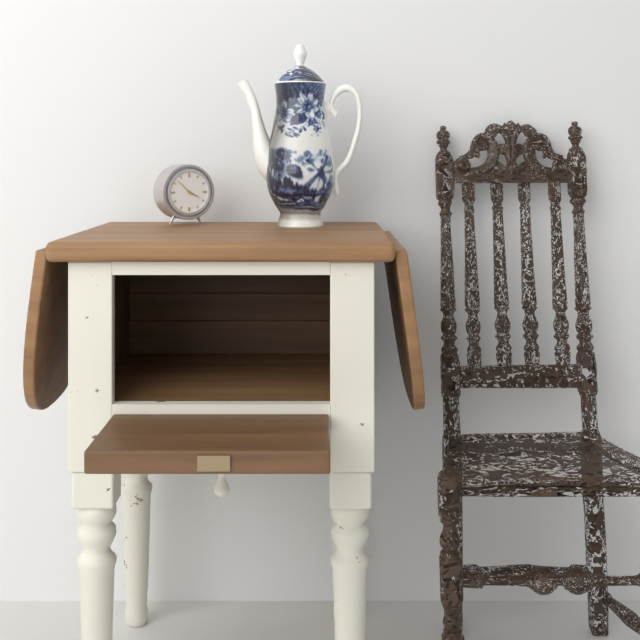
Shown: h=3 m=52
